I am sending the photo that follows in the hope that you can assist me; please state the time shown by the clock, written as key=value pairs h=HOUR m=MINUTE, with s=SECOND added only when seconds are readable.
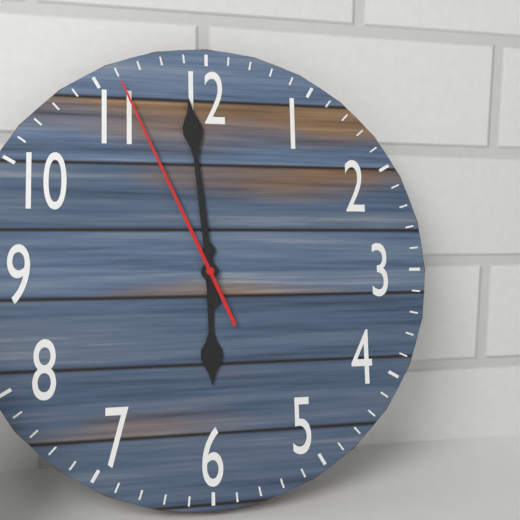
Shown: h=5 m=59 s=56
